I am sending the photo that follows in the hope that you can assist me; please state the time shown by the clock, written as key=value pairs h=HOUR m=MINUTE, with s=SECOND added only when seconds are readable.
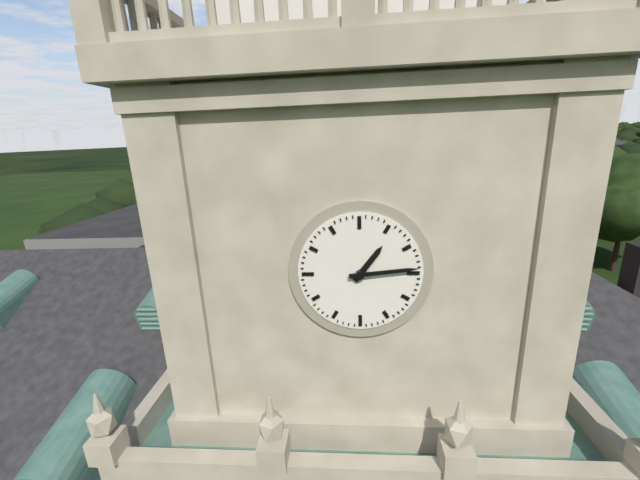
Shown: h=1 m=14
